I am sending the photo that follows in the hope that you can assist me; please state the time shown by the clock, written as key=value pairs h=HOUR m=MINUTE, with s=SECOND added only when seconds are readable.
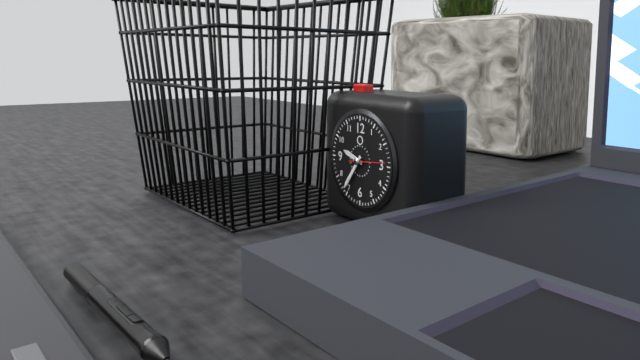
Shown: h=9 m=36
